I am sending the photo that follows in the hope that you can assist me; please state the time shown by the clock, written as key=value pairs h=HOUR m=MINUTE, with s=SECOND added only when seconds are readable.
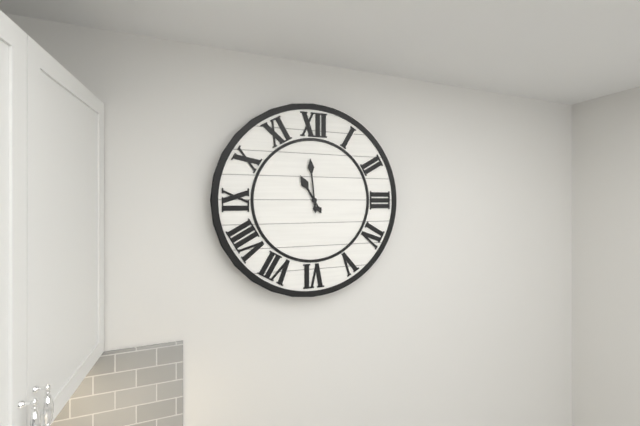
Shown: h=10 m=59
